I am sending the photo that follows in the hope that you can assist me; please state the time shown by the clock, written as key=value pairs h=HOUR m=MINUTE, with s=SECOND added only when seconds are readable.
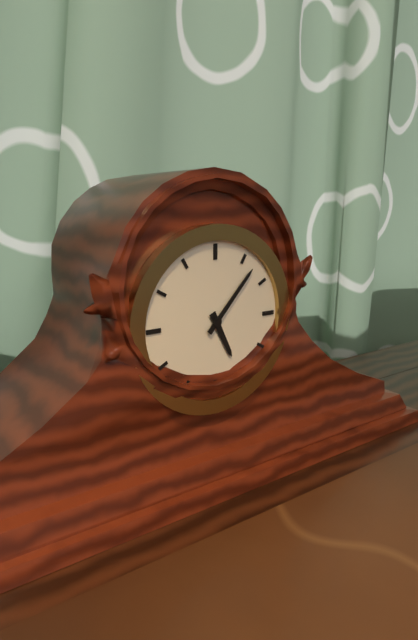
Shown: h=5 m=7
